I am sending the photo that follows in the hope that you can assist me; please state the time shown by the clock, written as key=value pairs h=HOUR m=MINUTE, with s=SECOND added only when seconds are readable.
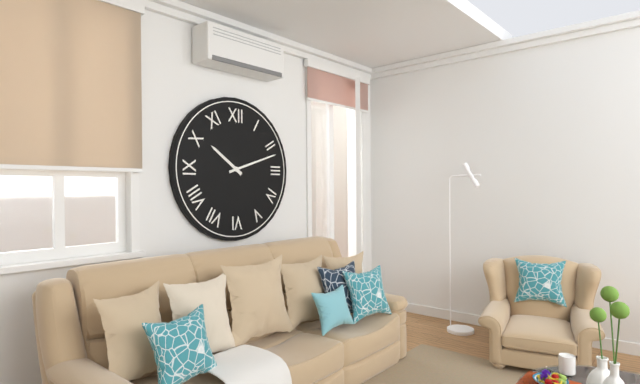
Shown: h=10 m=12
